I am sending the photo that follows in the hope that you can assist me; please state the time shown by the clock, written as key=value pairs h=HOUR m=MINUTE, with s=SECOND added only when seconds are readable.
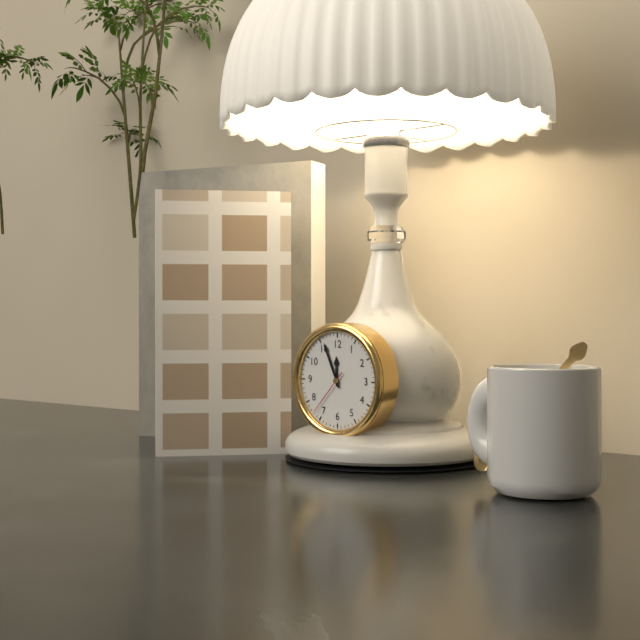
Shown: h=11 m=56
